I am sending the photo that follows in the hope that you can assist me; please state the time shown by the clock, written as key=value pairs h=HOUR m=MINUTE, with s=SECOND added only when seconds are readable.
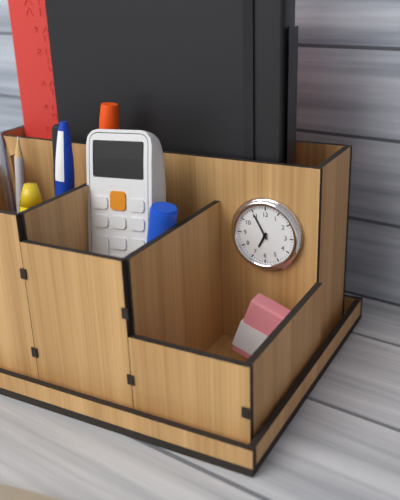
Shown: h=6 m=55
